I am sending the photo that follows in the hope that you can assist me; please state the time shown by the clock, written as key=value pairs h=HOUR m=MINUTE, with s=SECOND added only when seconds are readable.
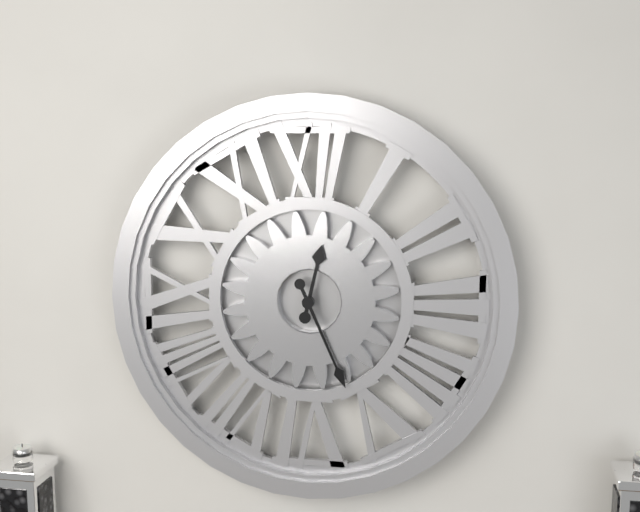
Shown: h=12 m=26
